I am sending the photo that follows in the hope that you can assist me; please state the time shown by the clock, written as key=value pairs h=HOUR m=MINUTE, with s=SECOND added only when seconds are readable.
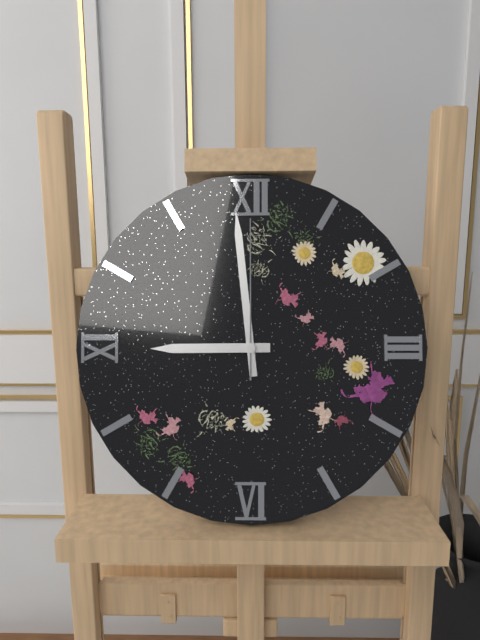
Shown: h=8 m=59 s=0
